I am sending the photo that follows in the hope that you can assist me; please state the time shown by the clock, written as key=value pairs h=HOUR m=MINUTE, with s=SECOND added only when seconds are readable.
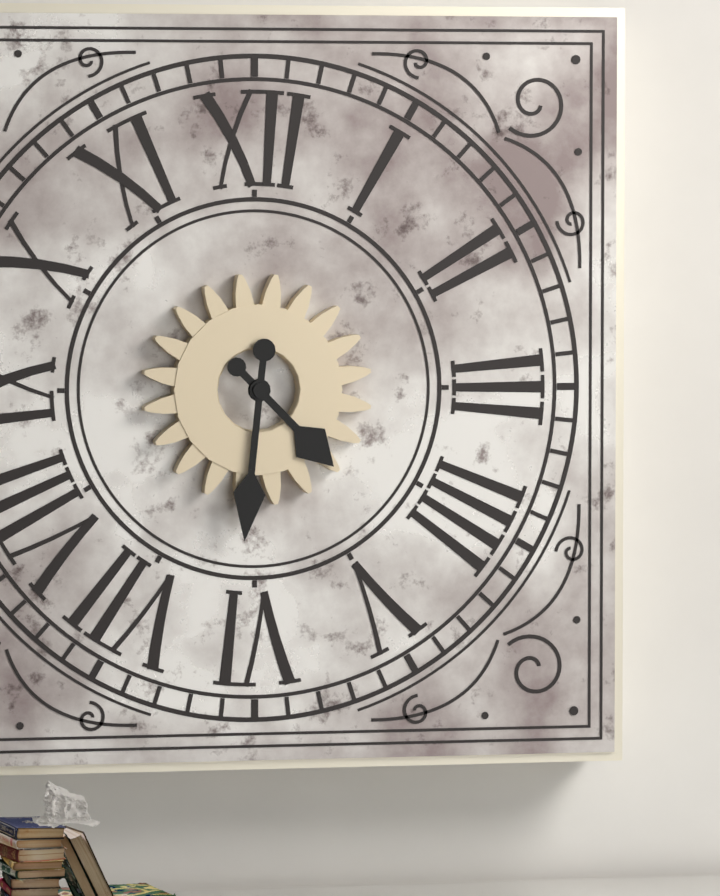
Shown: h=4 m=31
